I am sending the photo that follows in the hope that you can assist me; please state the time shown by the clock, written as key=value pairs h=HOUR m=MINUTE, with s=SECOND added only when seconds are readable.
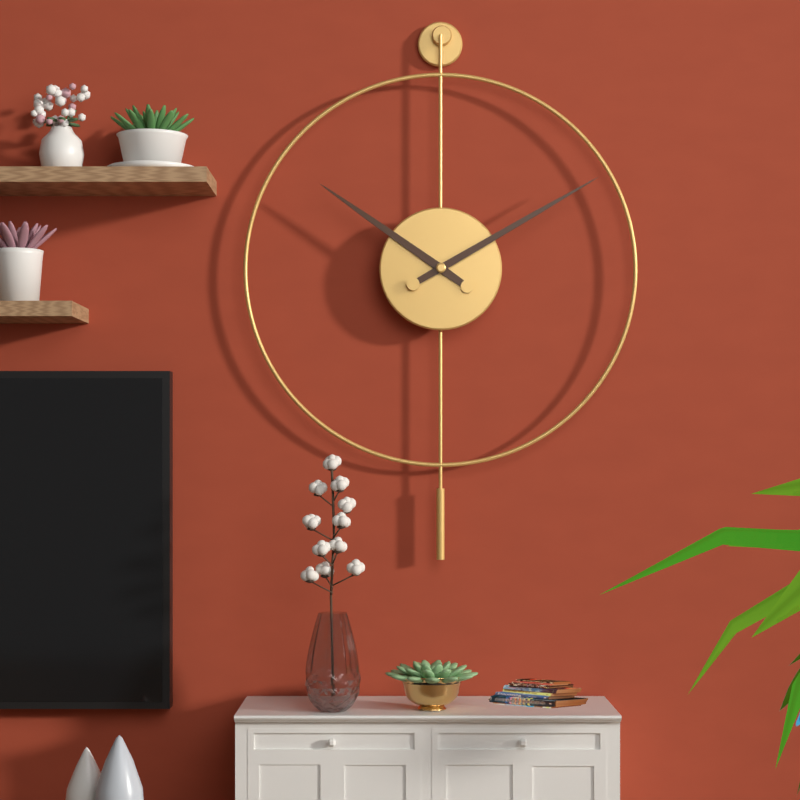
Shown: h=10 m=10
